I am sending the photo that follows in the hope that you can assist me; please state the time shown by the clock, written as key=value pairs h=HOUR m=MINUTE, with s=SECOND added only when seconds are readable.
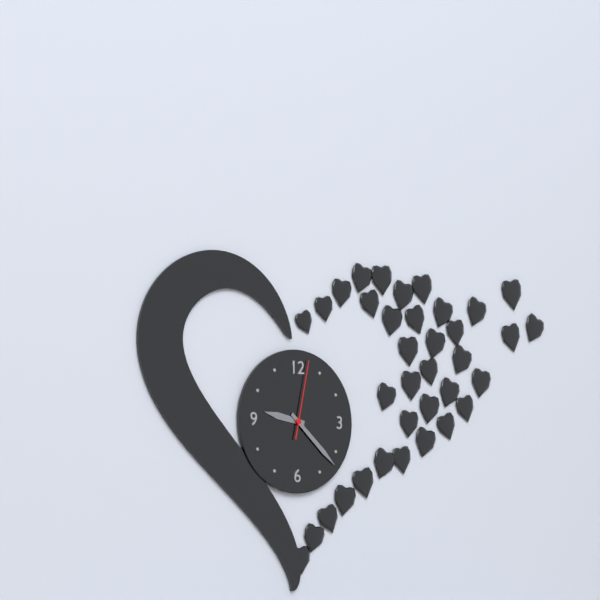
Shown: h=9 m=22 s=2
